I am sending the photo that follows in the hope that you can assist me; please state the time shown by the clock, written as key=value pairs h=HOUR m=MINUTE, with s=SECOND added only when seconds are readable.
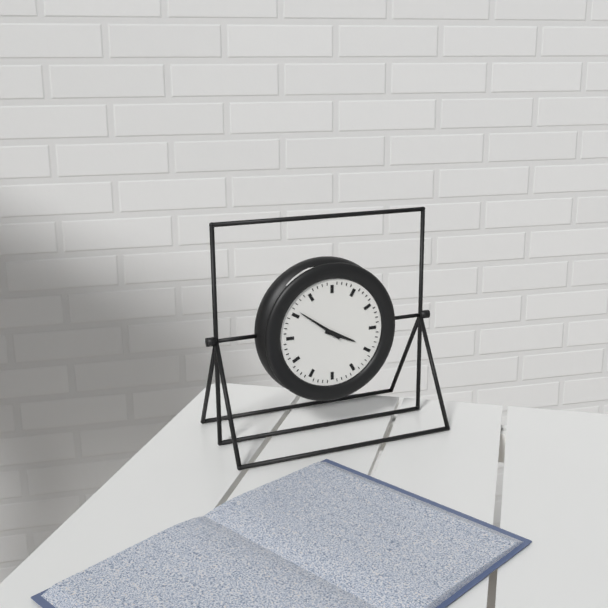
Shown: h=3 m=51
